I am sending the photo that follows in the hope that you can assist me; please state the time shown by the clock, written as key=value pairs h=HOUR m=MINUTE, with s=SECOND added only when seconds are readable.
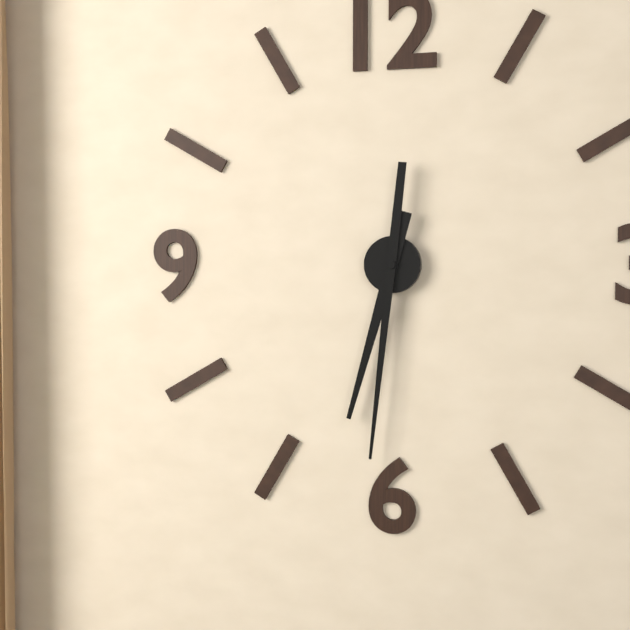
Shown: h=6 m=31
